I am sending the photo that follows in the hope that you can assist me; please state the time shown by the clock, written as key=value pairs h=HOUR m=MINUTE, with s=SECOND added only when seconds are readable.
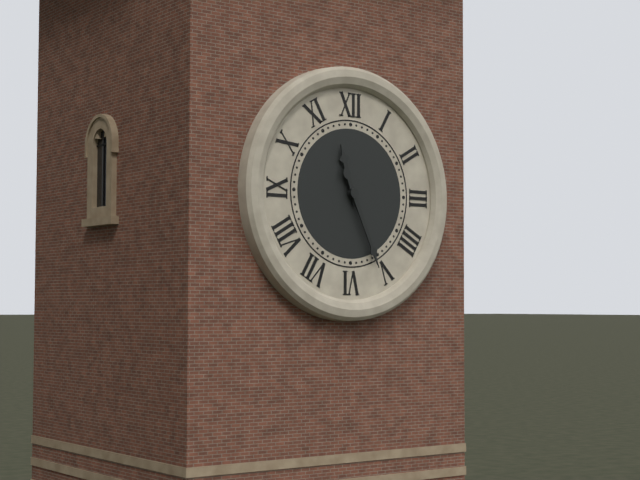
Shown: h=11 m=26
